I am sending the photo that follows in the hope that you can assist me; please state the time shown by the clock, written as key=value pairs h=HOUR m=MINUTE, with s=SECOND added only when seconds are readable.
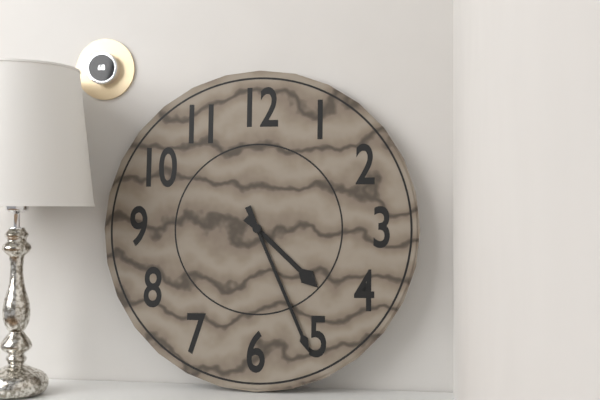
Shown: h=4 m=26
